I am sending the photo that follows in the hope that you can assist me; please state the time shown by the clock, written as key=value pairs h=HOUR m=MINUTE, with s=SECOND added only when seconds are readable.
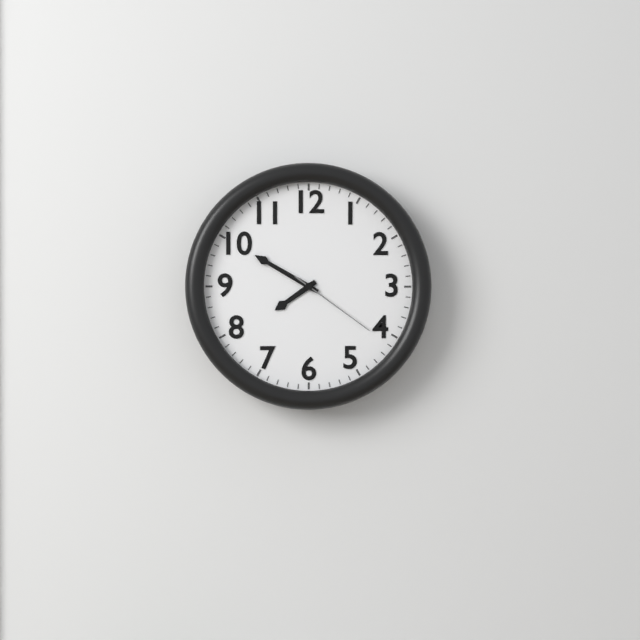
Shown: h=7 m=50 s=21
